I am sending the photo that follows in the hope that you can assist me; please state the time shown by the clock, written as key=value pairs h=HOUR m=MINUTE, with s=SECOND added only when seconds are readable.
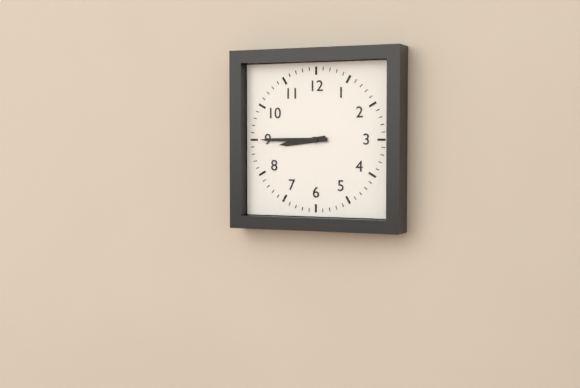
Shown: h=8 m=45
